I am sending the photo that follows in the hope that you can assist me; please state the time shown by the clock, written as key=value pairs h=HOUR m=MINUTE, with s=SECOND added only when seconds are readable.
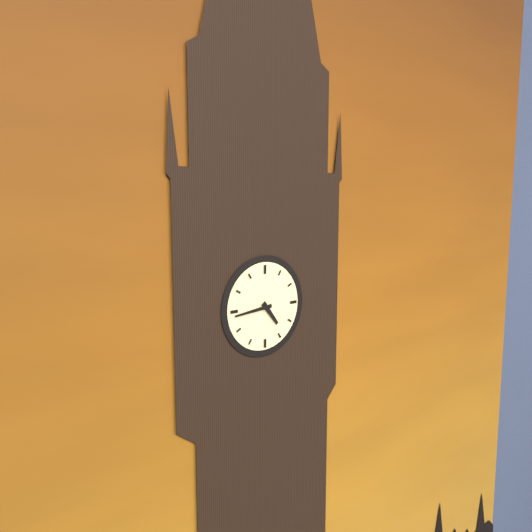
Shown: h=4 m=44
